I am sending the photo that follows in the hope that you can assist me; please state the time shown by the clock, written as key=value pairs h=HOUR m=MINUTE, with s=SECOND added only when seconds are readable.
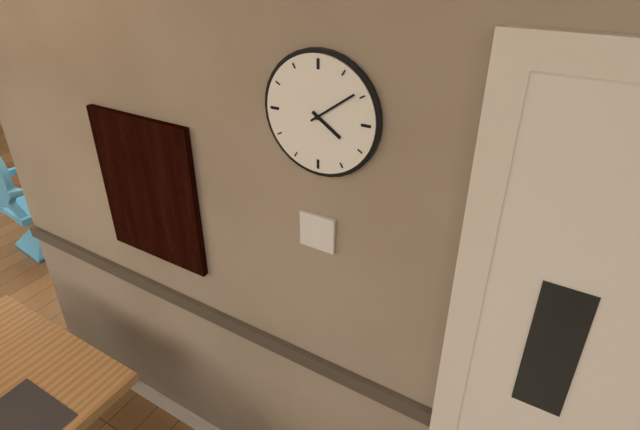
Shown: h=4 m=9
